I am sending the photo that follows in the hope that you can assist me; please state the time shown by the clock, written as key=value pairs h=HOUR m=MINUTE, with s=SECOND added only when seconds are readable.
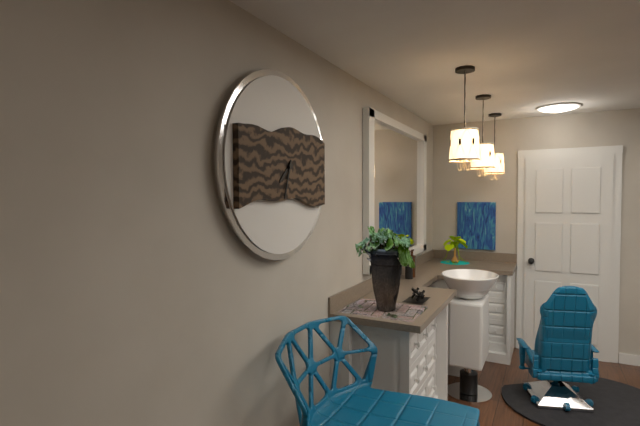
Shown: h=7 m=33
